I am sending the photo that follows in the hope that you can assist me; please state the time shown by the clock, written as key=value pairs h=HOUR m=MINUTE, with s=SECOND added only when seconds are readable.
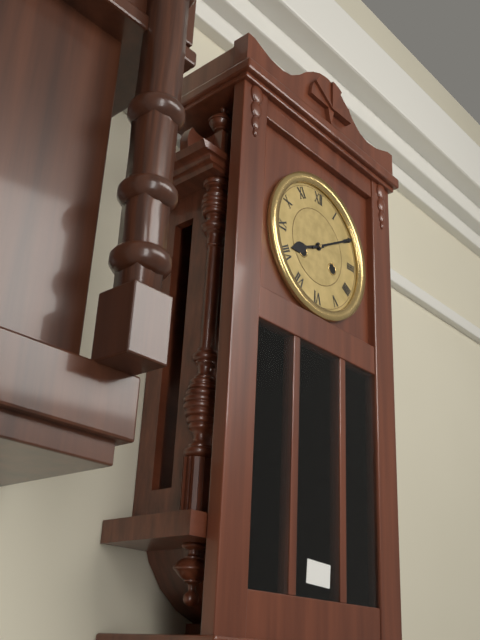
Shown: h=8 m=10
